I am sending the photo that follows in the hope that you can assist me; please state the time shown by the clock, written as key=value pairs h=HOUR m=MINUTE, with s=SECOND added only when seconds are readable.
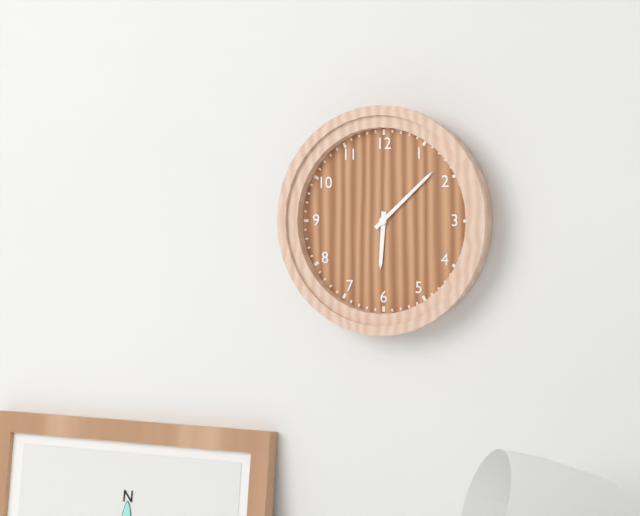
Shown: h=6 m=8
